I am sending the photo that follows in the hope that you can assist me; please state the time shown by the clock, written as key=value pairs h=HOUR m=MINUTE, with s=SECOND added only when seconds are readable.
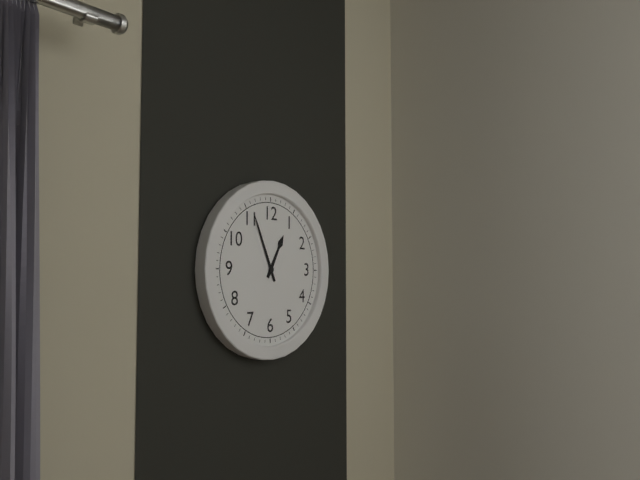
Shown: h=12 m=56
